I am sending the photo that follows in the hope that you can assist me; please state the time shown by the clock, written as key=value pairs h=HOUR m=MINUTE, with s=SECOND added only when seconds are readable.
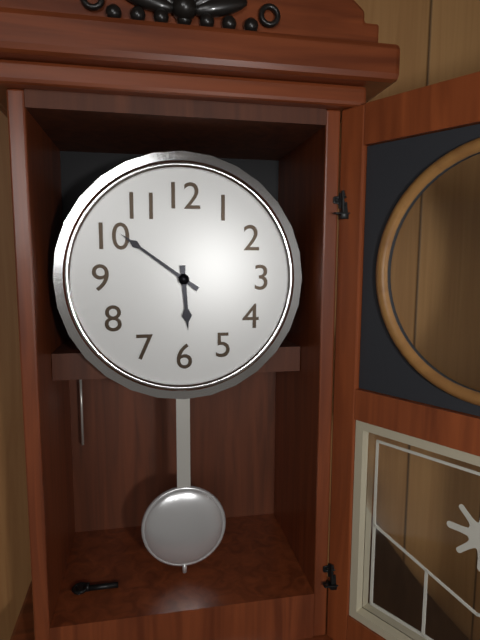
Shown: h=5 m=51
